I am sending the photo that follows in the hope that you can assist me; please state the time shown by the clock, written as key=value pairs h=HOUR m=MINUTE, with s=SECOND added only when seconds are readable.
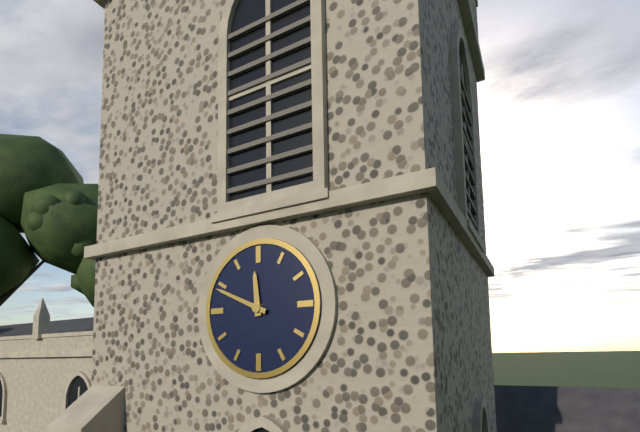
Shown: h=11 m=49
